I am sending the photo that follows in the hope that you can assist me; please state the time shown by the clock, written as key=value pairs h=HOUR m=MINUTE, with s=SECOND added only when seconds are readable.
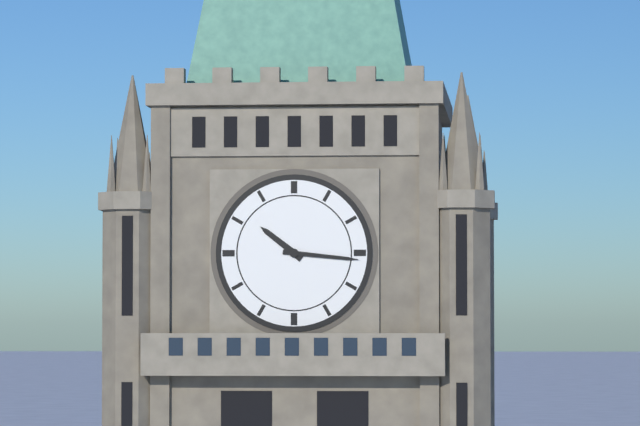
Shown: h=10 m=16
